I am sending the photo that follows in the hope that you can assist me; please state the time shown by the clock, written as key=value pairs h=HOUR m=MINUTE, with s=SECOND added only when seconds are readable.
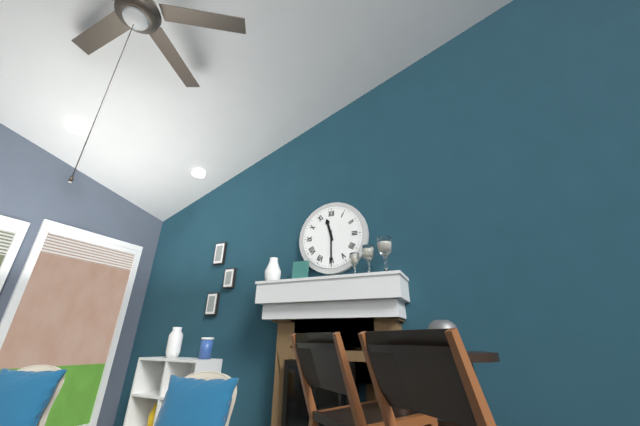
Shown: h=11 m=30
